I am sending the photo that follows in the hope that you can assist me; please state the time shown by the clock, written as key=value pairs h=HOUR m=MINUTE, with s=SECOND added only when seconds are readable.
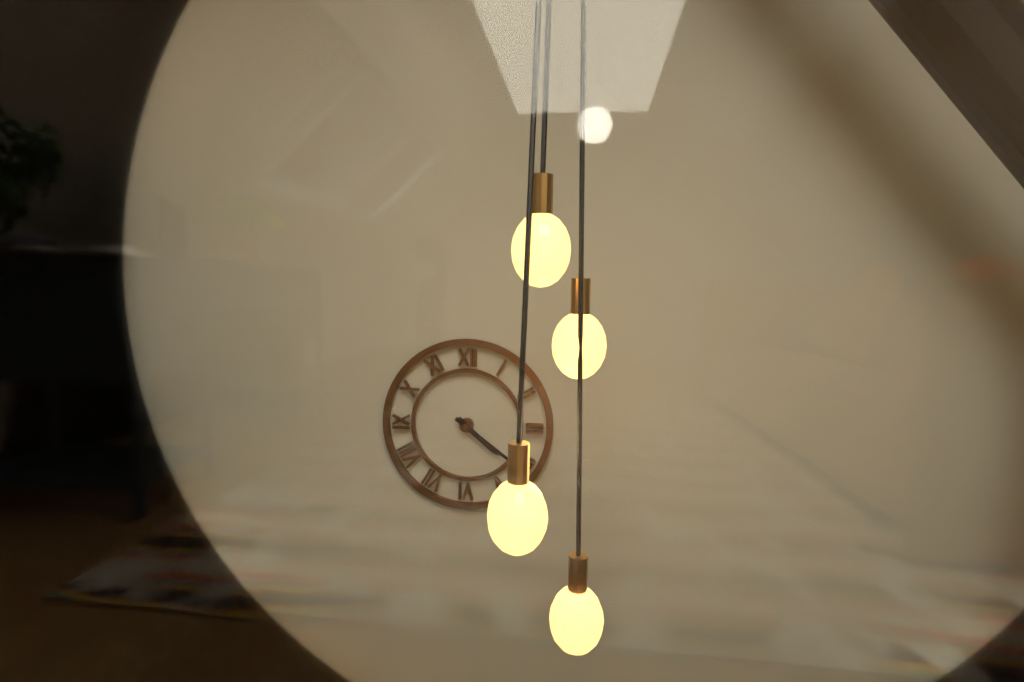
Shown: h=4 m=21
